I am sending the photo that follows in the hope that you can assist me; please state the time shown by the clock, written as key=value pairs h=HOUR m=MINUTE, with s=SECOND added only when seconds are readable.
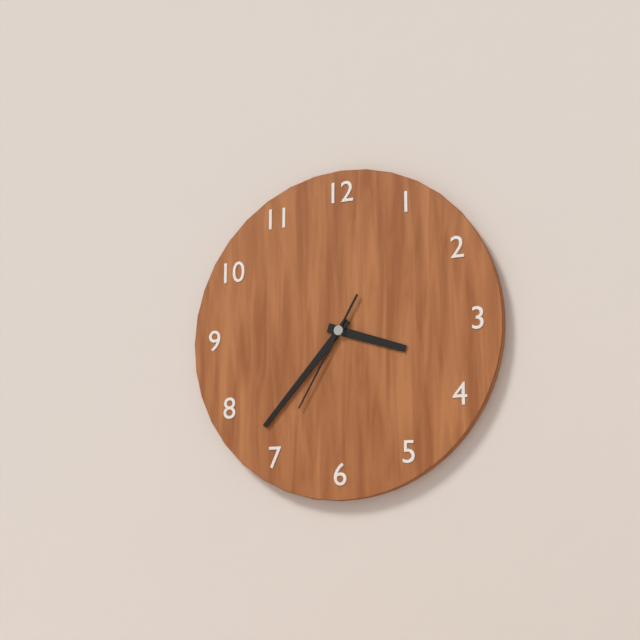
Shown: h=3 m=37 s=35
